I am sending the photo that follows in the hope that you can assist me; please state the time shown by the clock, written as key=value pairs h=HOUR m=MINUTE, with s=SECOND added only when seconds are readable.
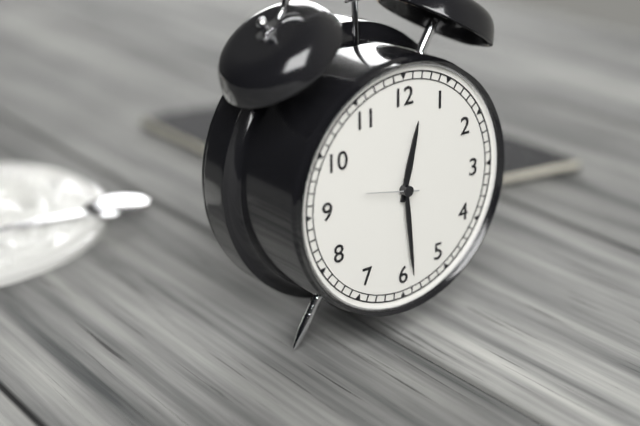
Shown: h=12 m=29 s=47
